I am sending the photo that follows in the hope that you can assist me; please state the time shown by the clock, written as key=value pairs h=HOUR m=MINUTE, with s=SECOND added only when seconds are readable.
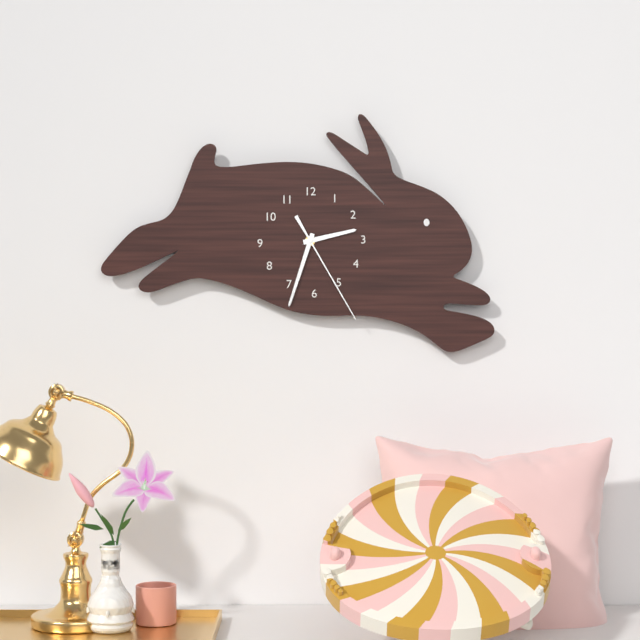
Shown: h=2 m=33 s=25
